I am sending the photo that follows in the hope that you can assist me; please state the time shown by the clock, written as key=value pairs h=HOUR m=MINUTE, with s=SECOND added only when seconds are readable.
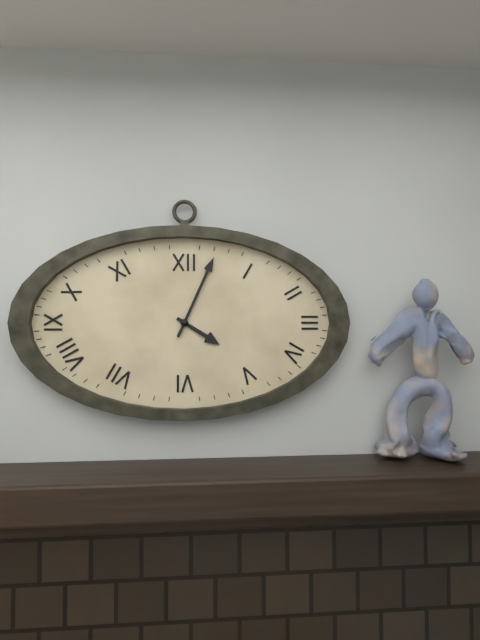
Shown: h=4 m=4
